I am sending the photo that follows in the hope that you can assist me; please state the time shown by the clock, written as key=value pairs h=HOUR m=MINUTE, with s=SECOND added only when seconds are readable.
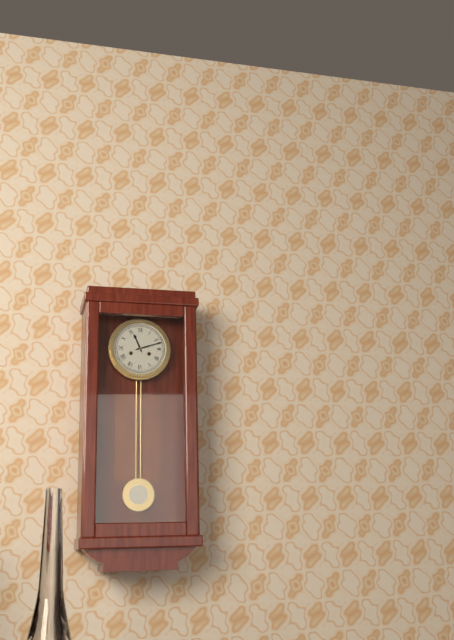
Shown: h=11 m=12
